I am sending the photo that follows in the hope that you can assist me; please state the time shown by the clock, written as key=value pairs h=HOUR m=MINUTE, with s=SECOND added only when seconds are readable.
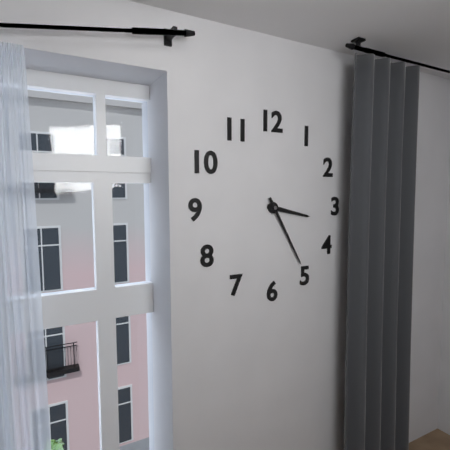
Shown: h=3 m=25
